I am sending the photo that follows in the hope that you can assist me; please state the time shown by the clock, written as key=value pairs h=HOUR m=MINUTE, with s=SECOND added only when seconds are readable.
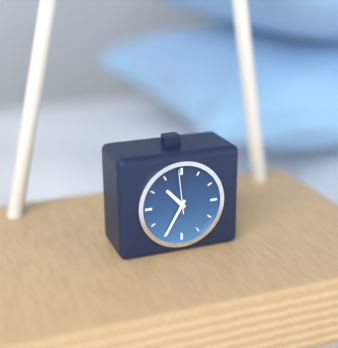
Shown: h=10 m=35
